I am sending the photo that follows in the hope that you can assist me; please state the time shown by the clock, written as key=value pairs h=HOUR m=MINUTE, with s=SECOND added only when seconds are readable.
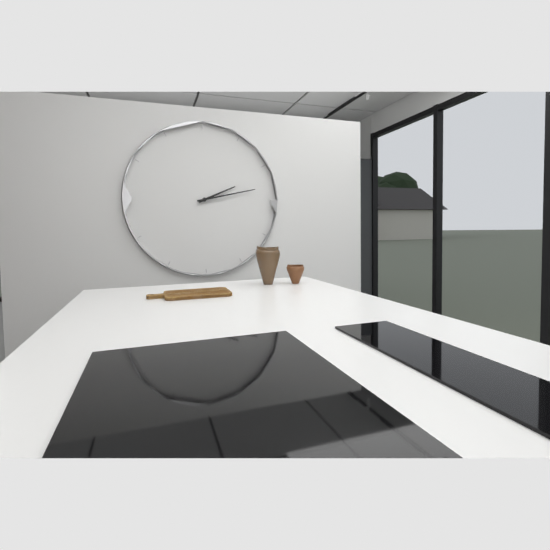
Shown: h=2 m=13
